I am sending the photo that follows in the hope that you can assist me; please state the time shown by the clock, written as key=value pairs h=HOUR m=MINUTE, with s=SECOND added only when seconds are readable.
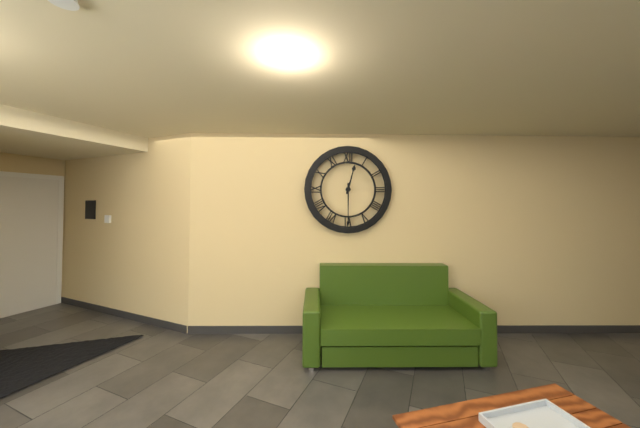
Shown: h=12 m=30
